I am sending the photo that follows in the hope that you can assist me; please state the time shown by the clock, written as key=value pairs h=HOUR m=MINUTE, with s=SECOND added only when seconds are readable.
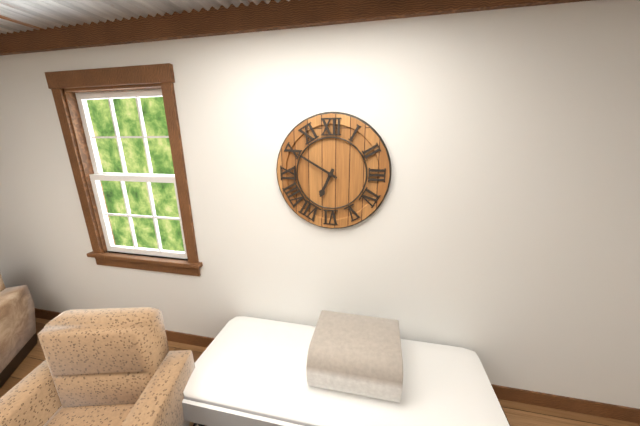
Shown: h=6 m=50
